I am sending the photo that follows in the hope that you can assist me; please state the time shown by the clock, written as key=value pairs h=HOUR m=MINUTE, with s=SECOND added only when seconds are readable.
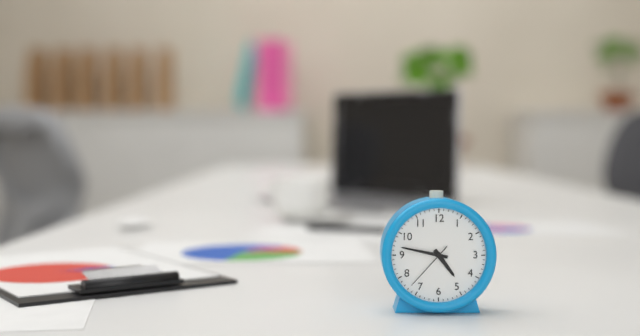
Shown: h=4 m=47 s=37
